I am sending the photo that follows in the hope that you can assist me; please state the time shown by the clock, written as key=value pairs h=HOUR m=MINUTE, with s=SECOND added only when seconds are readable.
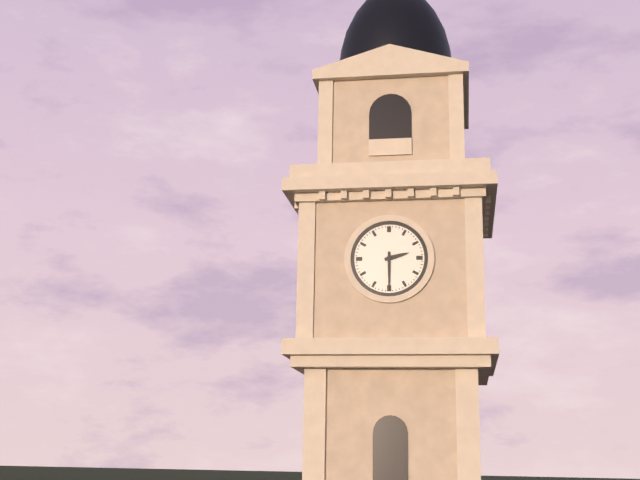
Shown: h=2 m=30
